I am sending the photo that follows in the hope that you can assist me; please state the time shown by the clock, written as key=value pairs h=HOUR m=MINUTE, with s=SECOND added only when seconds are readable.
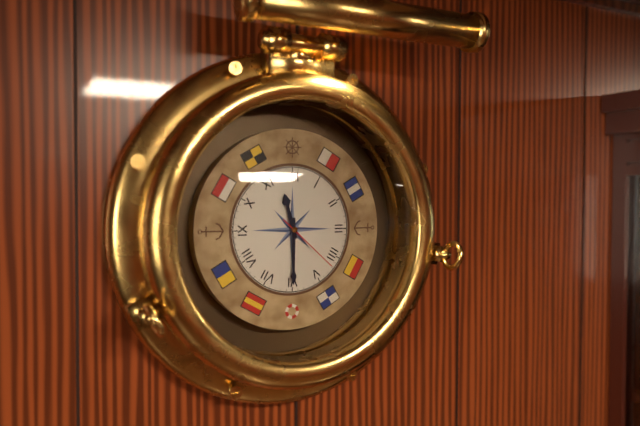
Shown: h=11 m=30 s=22
